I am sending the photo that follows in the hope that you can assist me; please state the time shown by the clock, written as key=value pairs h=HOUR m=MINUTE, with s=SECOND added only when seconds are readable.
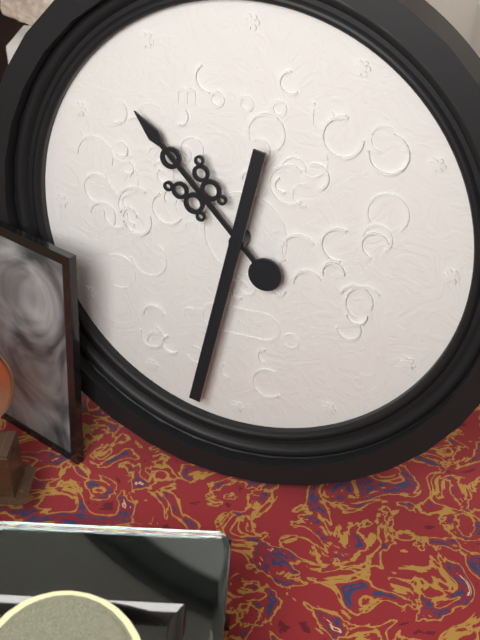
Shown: h=10 m=32
